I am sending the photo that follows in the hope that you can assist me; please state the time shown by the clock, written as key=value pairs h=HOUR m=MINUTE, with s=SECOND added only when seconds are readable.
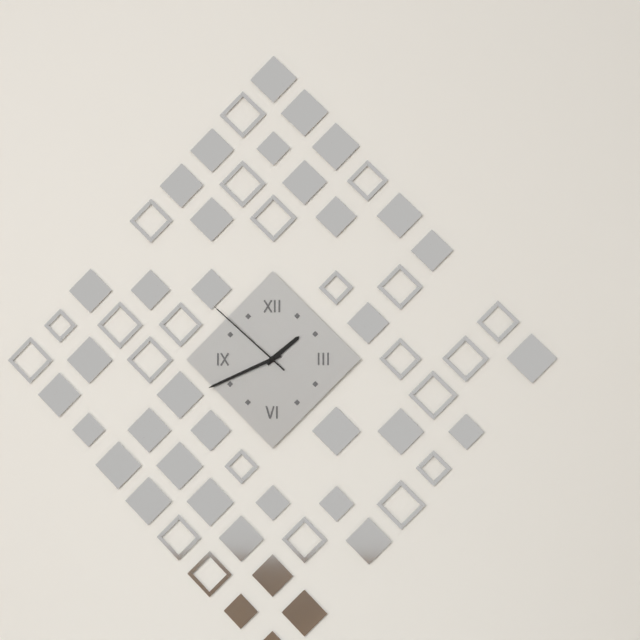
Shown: h=1 m=41 s=52
